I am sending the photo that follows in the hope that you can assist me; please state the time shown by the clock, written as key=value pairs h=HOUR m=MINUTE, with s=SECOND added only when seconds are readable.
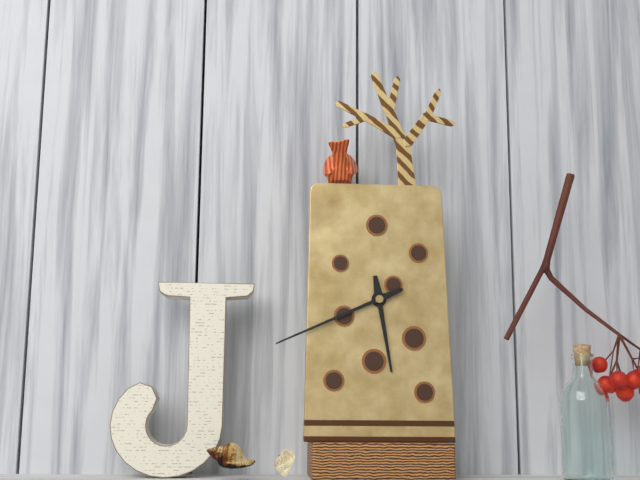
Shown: h=5 m=41
